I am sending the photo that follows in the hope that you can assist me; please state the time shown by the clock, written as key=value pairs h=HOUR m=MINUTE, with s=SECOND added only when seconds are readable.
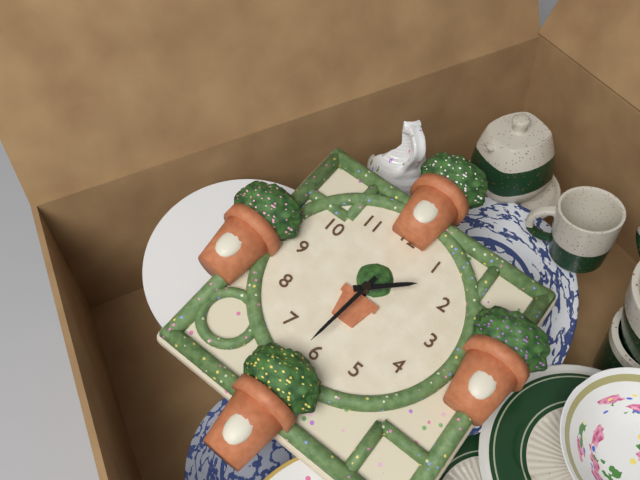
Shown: h=1 m=31
